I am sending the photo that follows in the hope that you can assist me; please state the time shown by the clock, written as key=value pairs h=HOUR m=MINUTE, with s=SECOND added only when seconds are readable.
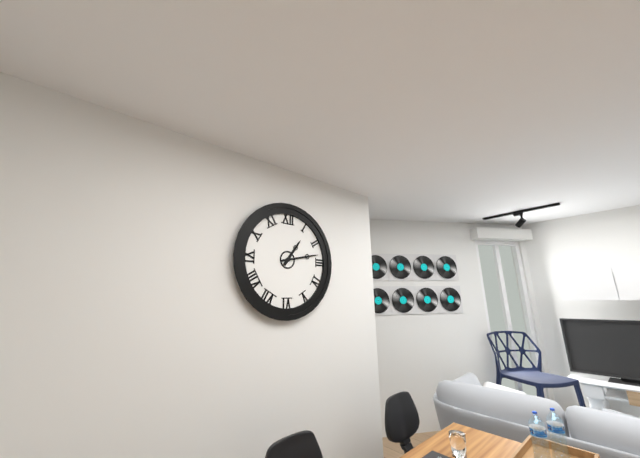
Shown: h=1 m=13
